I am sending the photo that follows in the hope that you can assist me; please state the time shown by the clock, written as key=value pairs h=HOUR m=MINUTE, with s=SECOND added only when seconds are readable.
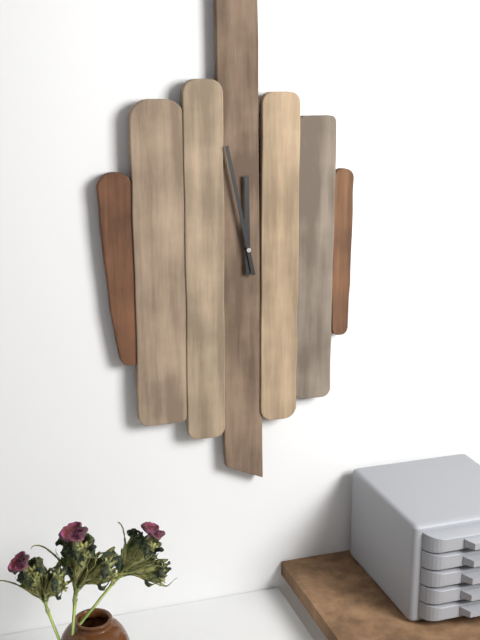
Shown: h=11 m=58
